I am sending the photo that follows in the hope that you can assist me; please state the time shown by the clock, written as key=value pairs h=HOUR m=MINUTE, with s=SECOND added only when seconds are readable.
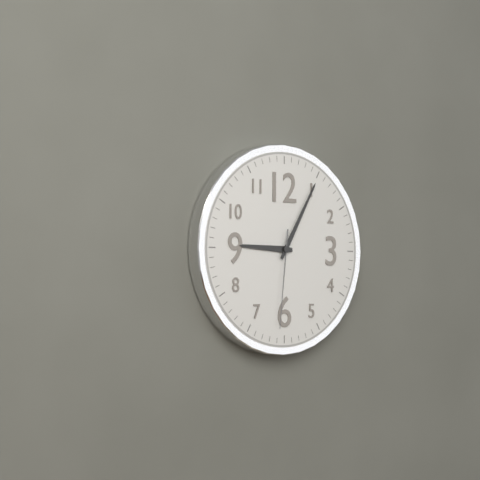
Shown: h=9 m=5 s=31
